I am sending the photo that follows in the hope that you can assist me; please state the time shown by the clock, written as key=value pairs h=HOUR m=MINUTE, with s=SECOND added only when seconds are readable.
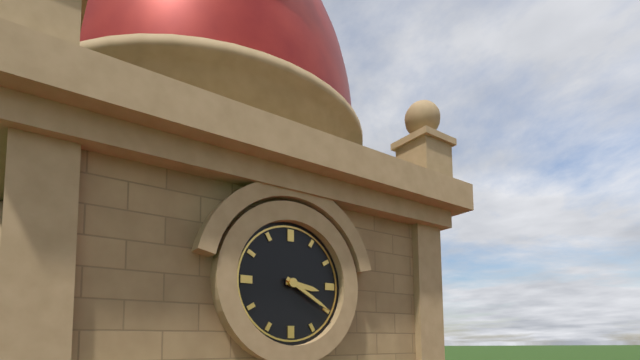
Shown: h=3 m=20
